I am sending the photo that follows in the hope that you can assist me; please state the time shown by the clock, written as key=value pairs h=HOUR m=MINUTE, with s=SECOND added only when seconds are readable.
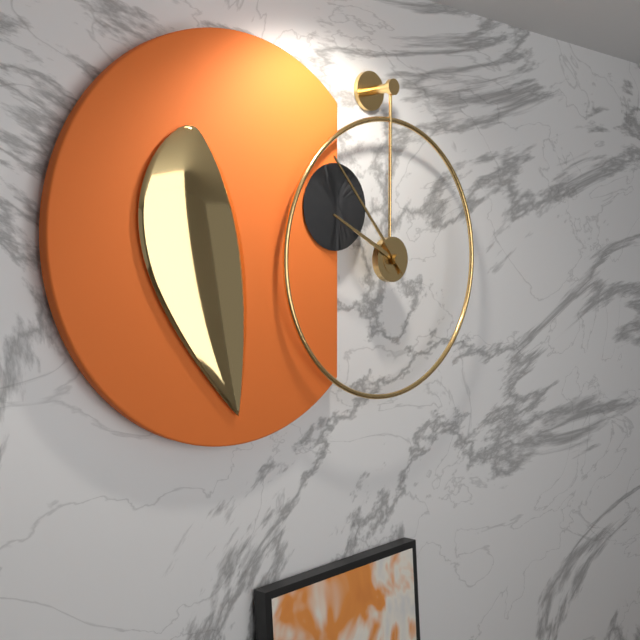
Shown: h=9 m=53
